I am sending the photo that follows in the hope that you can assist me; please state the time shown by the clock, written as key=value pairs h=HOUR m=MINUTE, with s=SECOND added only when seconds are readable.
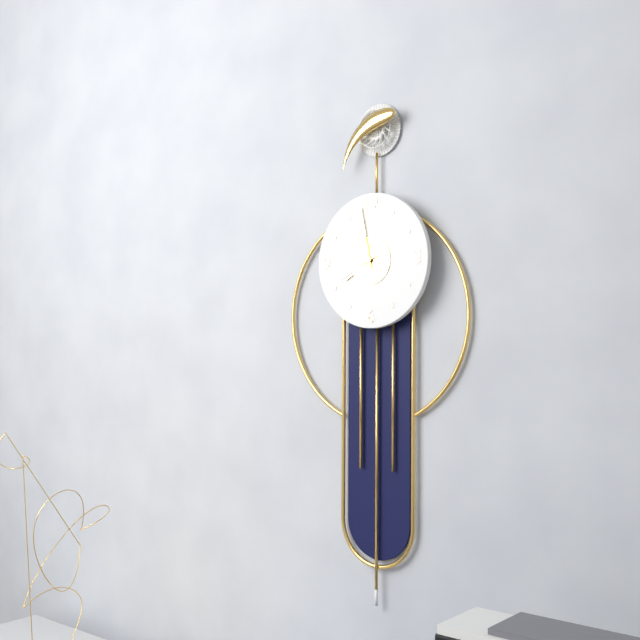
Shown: h=7 m=58
